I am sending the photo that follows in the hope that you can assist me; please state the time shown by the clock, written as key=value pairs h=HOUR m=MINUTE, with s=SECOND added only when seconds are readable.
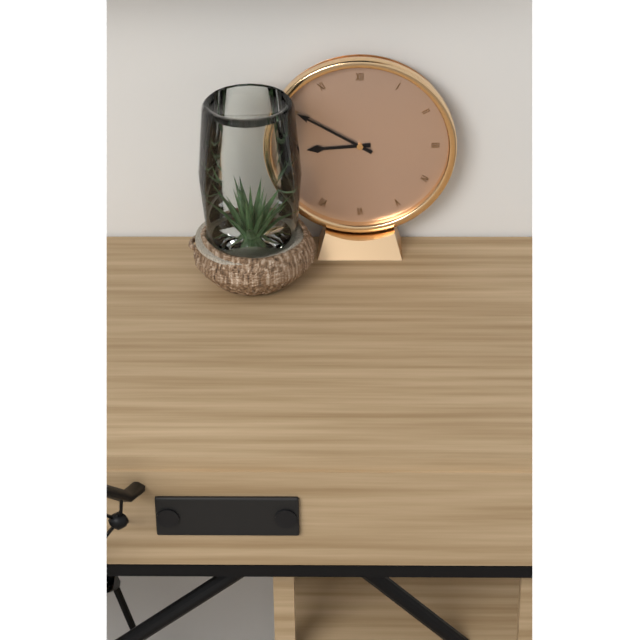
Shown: h=8 m=50
